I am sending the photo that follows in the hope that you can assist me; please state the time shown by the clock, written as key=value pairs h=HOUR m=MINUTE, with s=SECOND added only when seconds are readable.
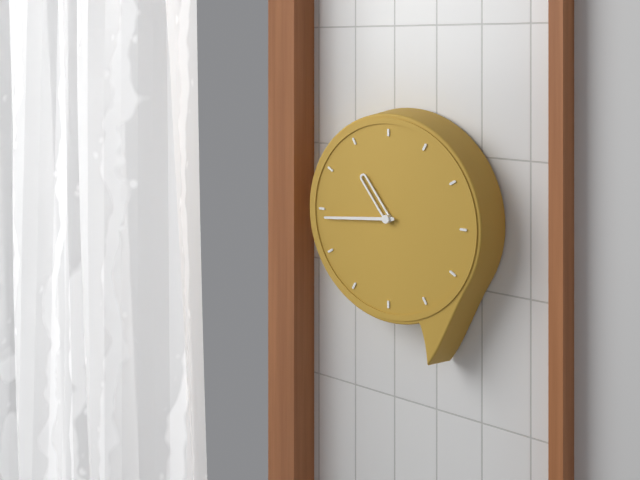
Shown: h=10 m=44
